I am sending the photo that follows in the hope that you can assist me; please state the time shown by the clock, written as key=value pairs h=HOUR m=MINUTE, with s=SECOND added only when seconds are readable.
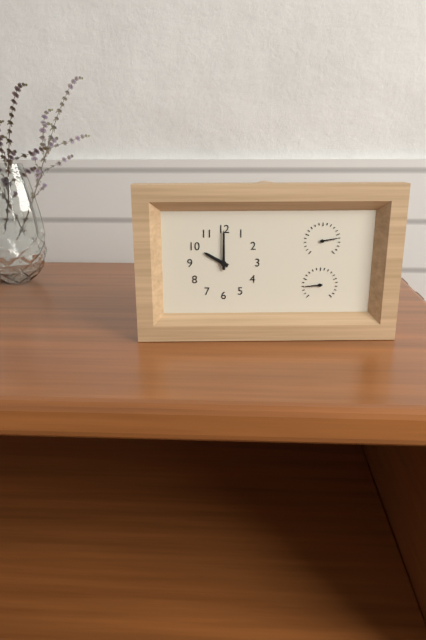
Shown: h=10 m=0
